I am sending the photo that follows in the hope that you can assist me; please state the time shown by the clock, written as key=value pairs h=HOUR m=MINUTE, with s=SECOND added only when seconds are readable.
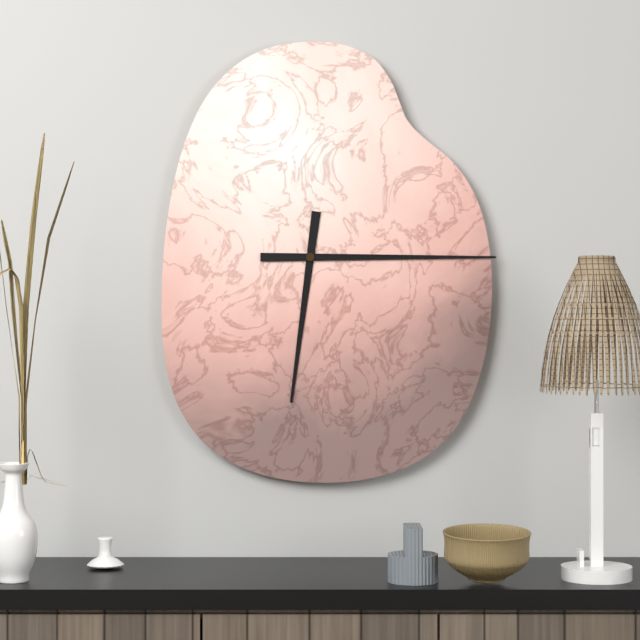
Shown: h=6 m=15
